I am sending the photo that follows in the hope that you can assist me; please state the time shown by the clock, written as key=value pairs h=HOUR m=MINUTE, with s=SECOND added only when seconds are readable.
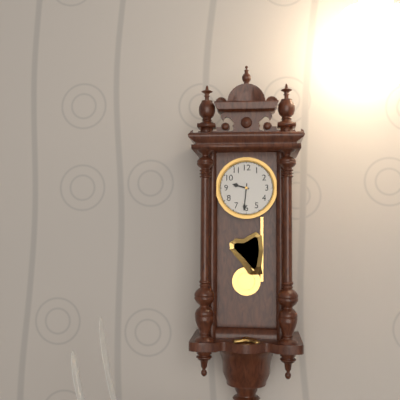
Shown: h=9 m=31
